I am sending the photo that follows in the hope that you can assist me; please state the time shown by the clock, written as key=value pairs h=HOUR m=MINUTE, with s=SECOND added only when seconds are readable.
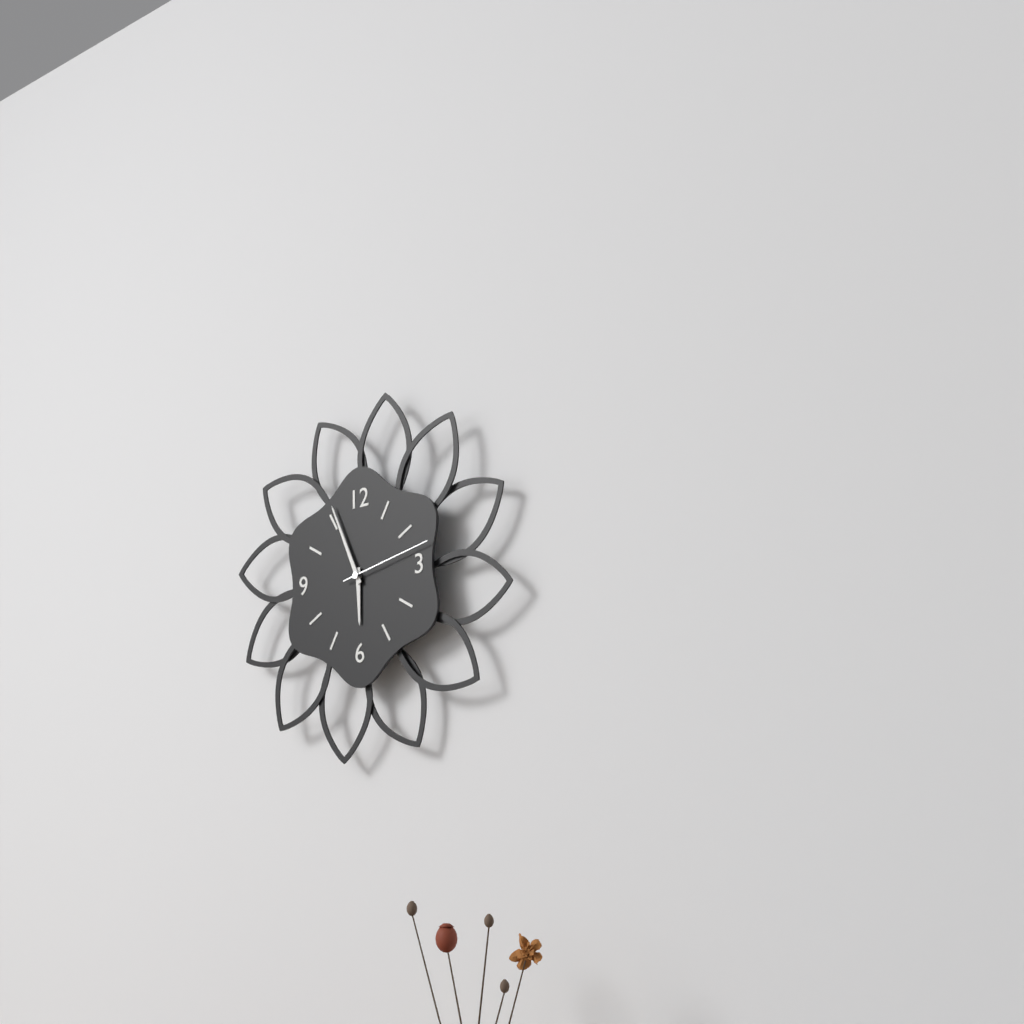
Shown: h=5 m=56 s=13
